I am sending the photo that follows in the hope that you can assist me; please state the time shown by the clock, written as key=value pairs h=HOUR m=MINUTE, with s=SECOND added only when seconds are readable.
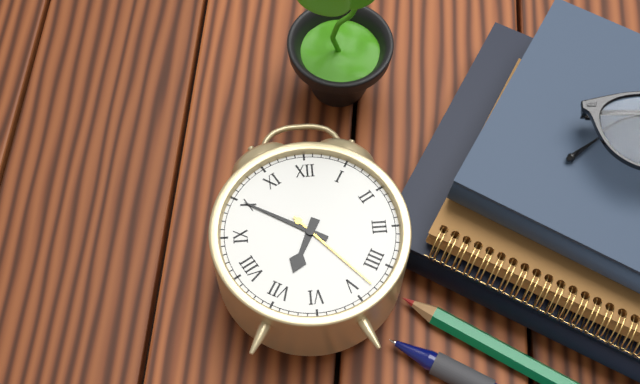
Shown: h=6 m=50 s=23
